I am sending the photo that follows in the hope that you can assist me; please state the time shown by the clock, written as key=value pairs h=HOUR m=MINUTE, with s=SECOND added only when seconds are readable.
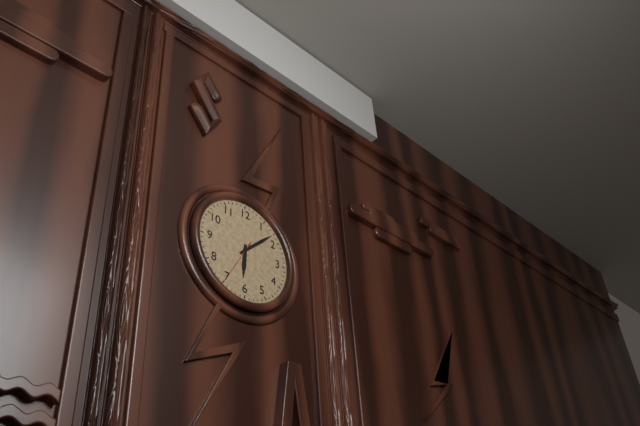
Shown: h=6 m=8
